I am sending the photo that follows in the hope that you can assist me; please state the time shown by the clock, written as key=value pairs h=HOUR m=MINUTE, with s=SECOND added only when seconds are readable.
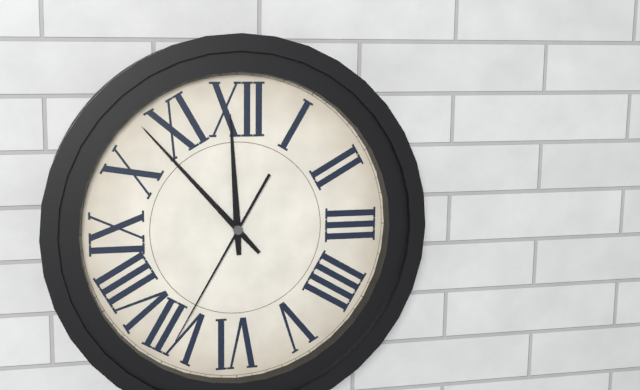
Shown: h=11 m=53 s=35
